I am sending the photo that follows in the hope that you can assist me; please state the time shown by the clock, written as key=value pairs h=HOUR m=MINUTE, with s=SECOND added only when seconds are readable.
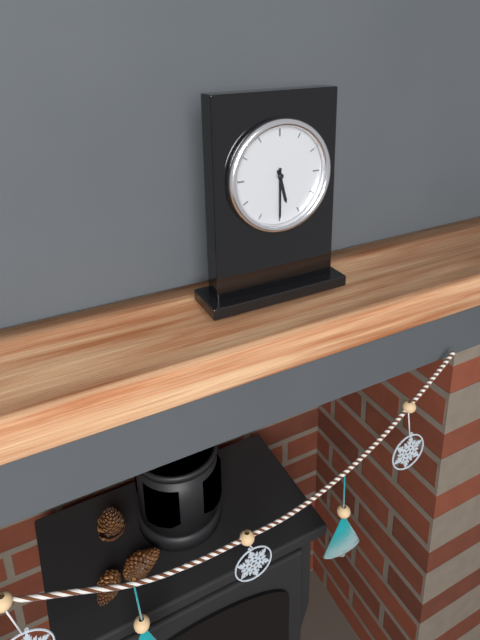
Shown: h=5 m=30
